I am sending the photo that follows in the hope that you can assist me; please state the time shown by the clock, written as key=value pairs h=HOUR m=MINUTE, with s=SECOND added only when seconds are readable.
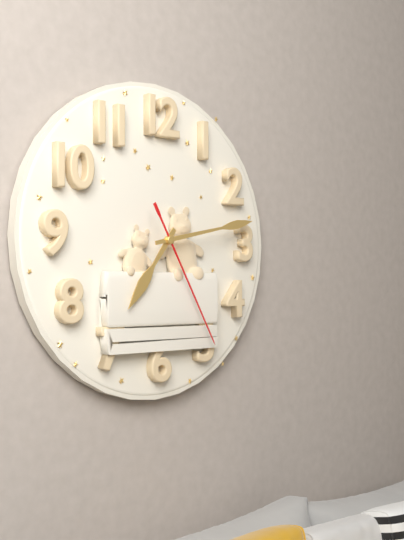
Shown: h=7 m=13 s=25
